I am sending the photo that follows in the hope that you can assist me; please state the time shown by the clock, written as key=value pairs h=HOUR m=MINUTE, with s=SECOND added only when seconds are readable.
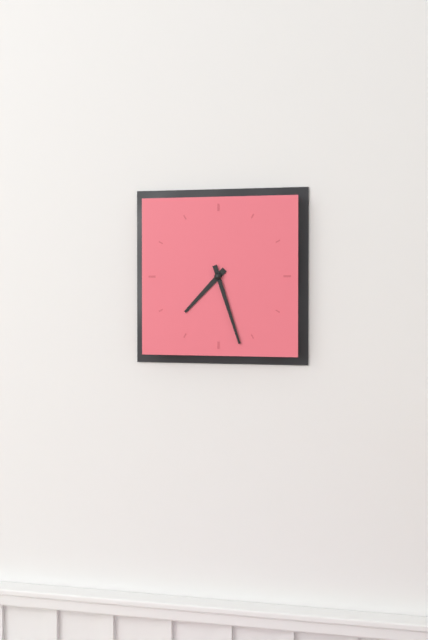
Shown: h=7 m=27
